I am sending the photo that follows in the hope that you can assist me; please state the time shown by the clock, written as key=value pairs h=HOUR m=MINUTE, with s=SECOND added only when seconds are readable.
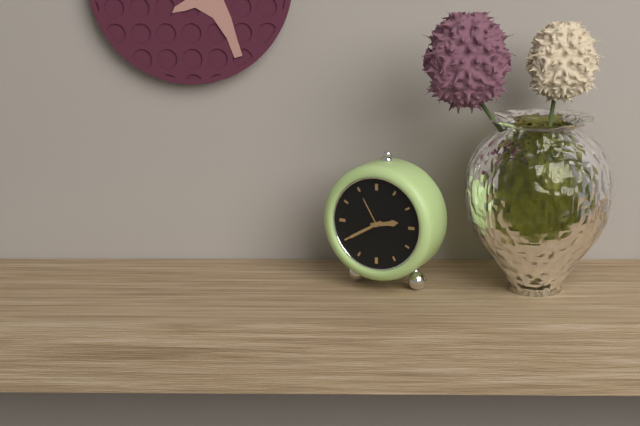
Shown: h=2 m=40
